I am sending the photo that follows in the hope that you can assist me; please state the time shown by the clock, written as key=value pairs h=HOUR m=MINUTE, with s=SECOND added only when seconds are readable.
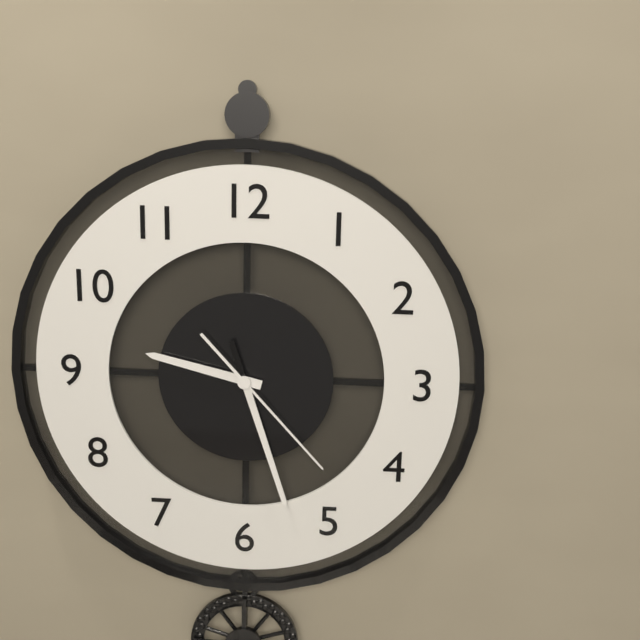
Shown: h=9 m=27 s=23
